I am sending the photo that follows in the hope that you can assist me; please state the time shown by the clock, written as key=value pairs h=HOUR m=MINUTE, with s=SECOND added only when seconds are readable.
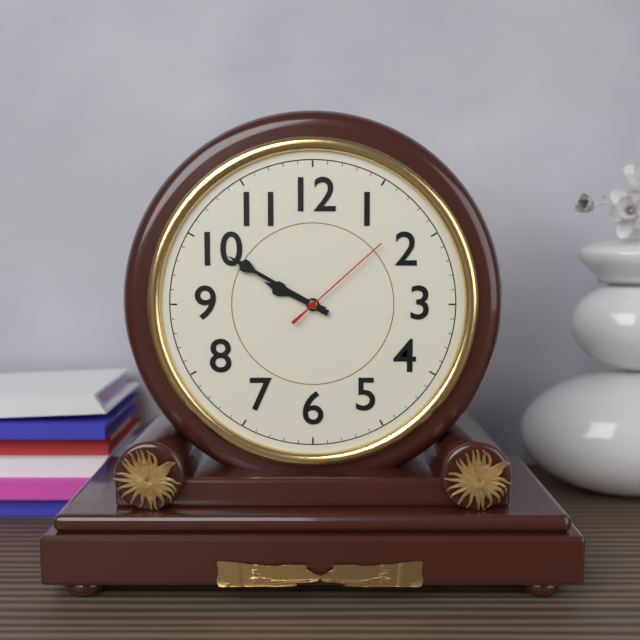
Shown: h=9 m=50 s=8
